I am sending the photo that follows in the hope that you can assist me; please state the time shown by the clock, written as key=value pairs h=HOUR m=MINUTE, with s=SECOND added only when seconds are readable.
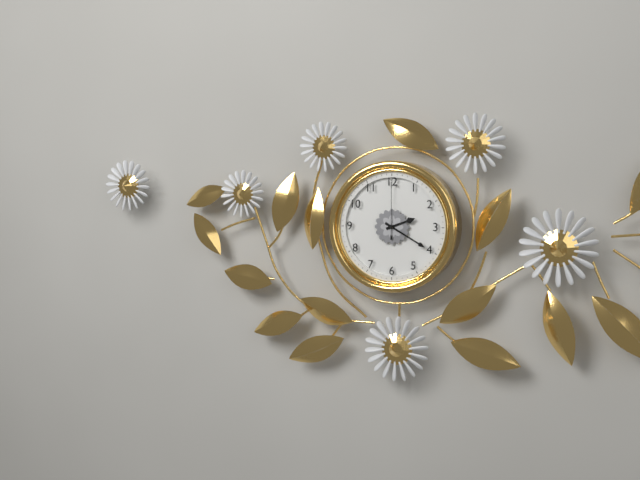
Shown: h=2 m=20 s=0
